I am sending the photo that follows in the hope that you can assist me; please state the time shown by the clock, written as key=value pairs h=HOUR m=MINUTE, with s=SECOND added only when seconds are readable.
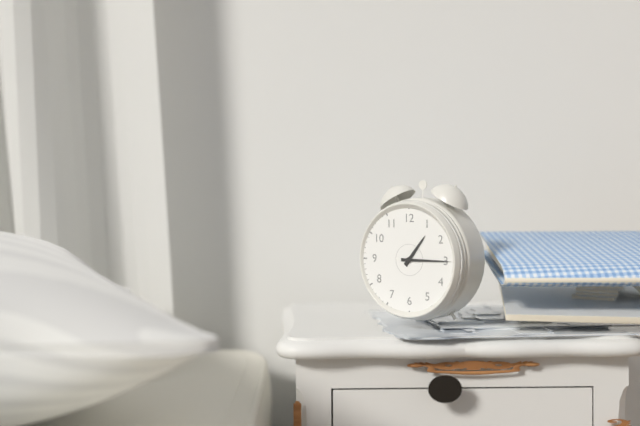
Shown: h=1 m=15
